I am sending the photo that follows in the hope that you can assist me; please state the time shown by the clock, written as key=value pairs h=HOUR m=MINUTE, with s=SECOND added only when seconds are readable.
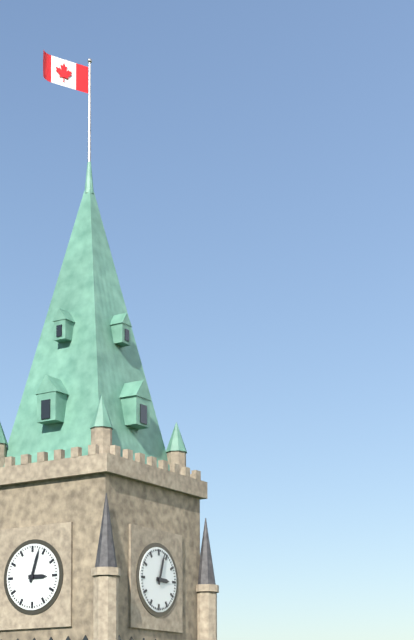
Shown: h=3 m=3
